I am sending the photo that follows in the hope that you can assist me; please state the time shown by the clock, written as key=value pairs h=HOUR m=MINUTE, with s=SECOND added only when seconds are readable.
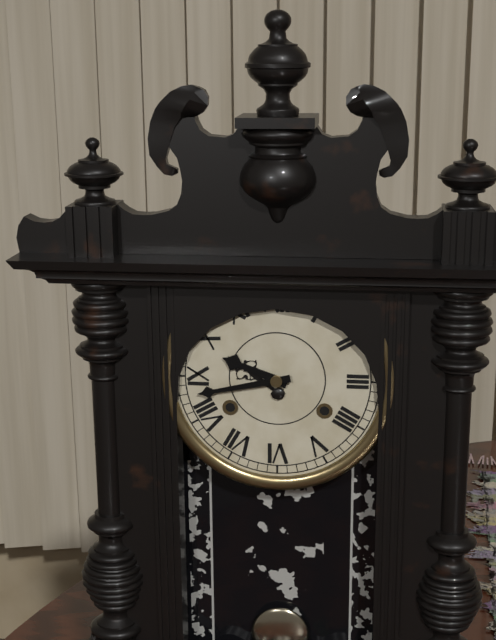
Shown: h=9 m=43
